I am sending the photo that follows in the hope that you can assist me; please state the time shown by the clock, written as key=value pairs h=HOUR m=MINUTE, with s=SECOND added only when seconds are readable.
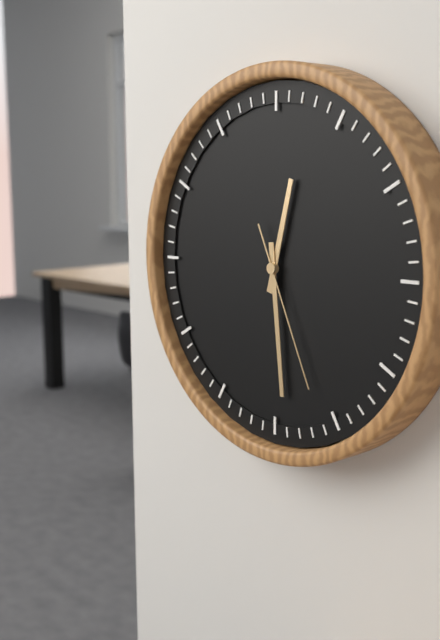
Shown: h=12 m=29 s=26
